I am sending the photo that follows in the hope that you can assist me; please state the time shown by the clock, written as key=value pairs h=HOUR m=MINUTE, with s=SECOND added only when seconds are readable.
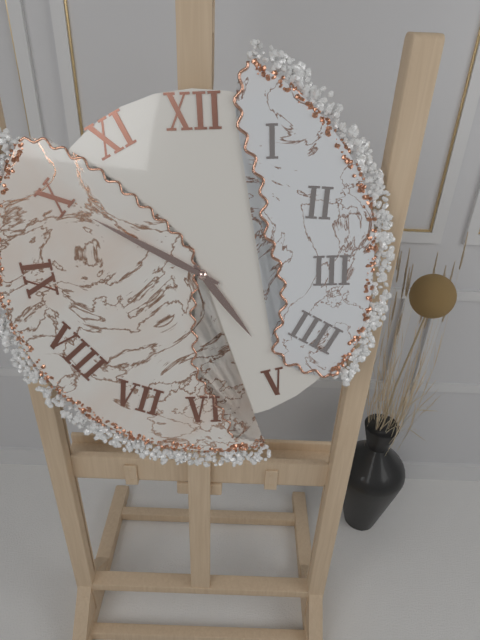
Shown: h=4 m=50
